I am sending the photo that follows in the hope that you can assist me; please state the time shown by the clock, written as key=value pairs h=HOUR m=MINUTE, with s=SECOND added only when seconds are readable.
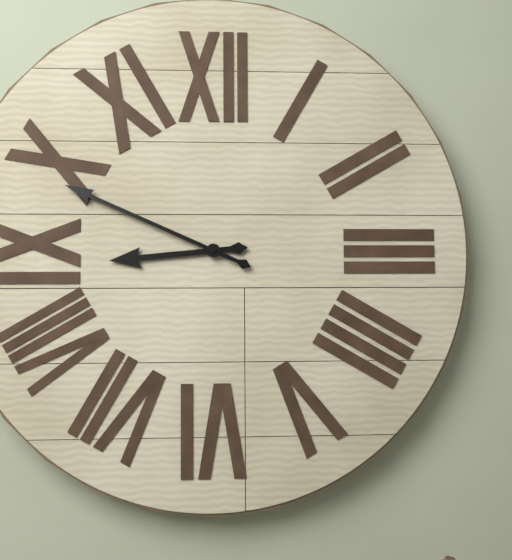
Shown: h=8 m=49
